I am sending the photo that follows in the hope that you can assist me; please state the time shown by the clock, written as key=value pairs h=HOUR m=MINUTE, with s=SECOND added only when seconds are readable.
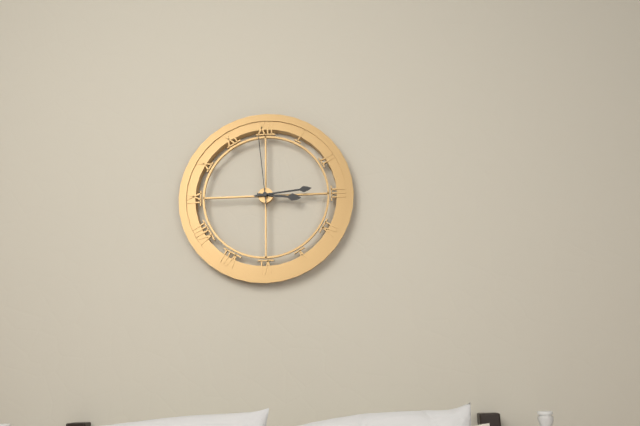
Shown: h=3 m=14 s=59
